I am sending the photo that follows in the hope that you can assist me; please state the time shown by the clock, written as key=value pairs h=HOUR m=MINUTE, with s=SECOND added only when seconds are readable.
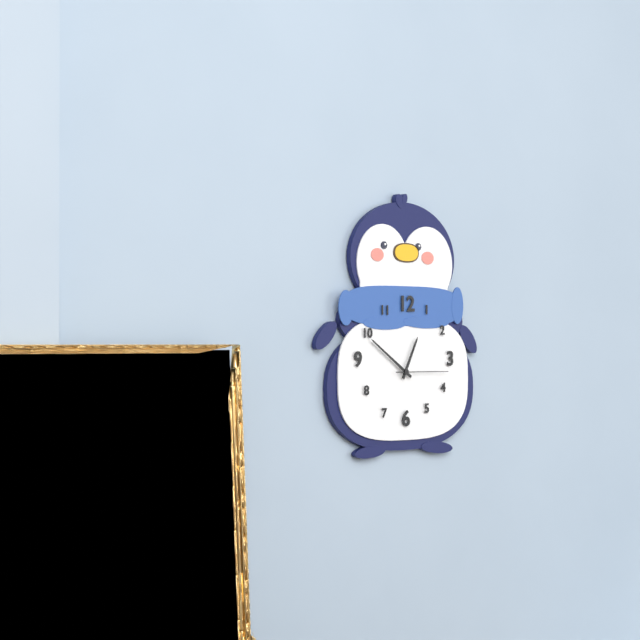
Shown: h=12 m=51 s=15
